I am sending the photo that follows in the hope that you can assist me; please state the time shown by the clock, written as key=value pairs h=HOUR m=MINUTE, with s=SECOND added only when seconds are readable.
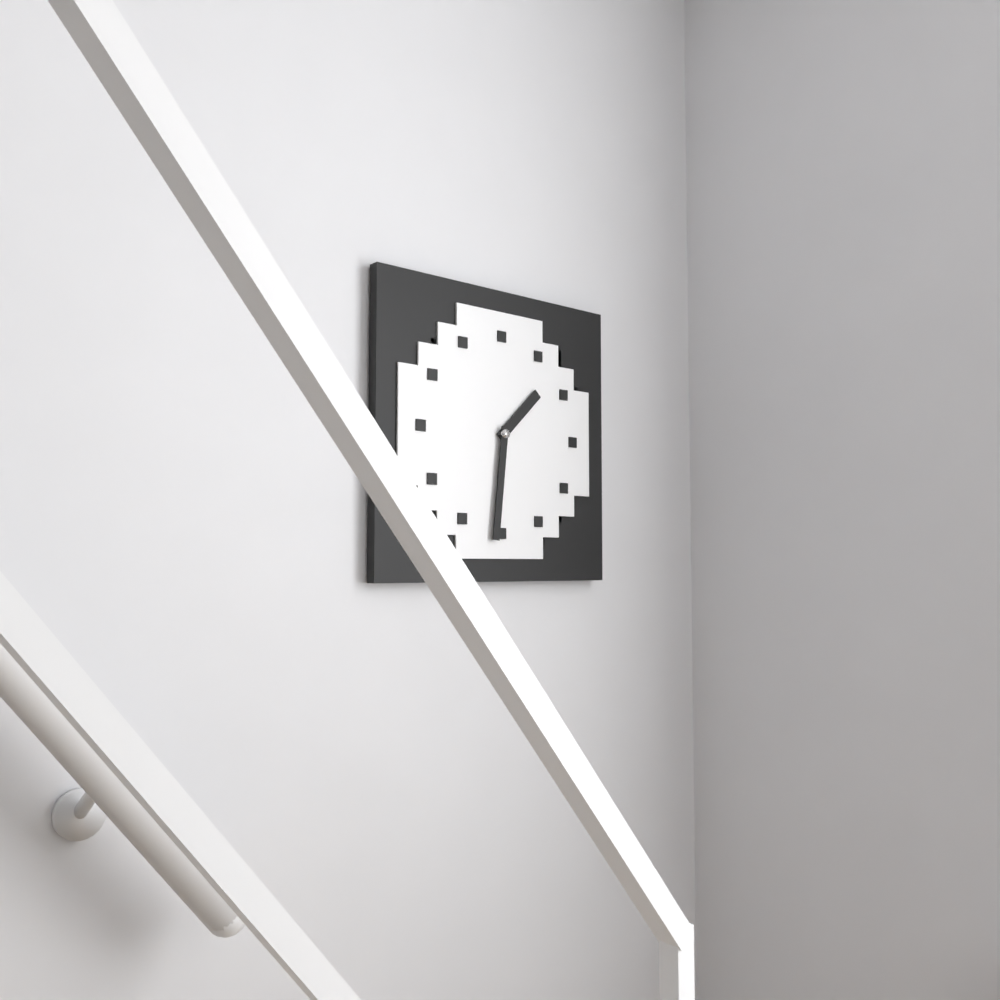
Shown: h=1 m=31
